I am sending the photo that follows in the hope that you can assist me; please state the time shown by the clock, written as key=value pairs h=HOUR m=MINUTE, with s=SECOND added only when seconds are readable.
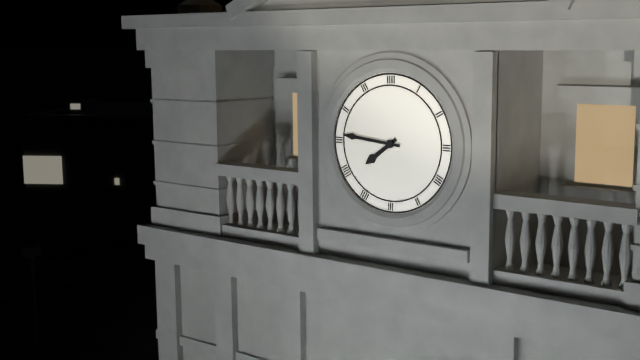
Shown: h=7 m=46
